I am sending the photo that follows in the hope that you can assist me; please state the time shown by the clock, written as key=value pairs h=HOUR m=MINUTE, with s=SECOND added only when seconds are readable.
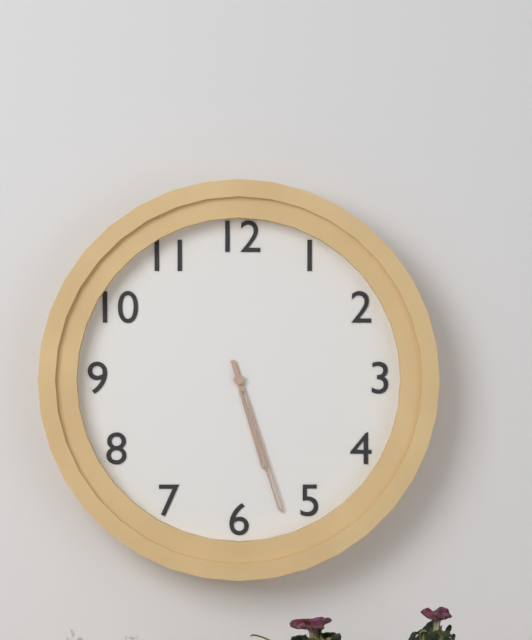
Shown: h=5 m=27
